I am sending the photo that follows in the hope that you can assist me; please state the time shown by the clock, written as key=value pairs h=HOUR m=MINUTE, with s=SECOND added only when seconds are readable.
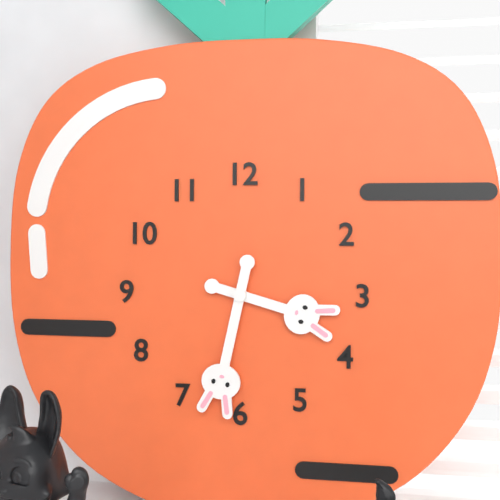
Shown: h=3 m=32
